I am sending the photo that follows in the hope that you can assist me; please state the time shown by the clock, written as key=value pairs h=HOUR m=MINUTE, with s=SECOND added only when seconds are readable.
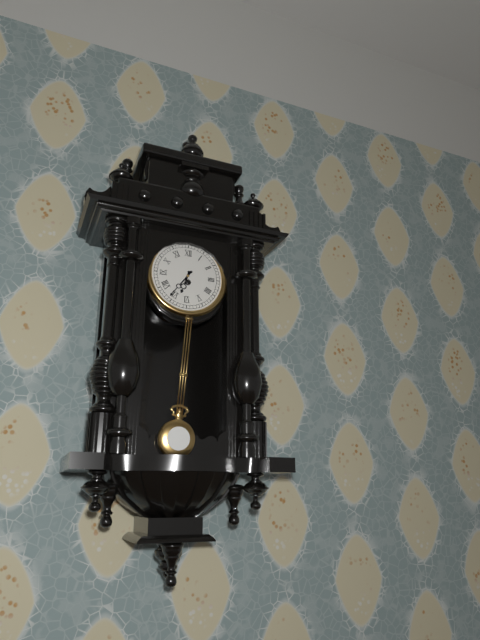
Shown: h=6 m=36
